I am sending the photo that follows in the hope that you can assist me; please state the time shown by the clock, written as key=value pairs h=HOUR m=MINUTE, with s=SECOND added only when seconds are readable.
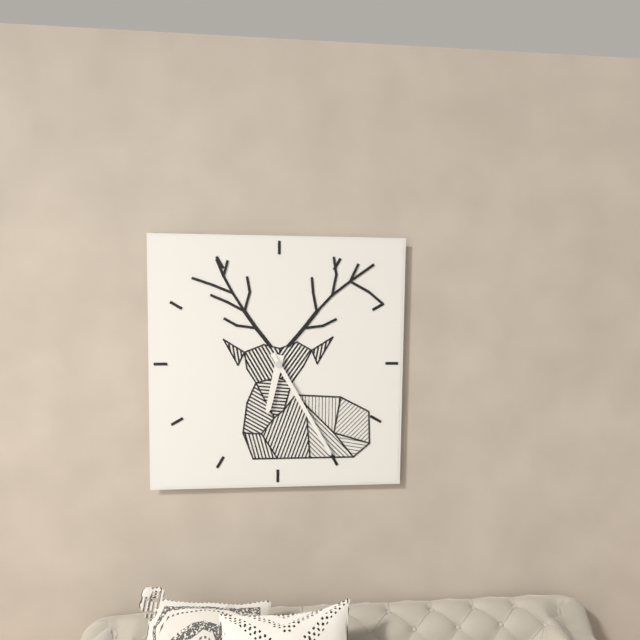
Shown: h=6 m=25
